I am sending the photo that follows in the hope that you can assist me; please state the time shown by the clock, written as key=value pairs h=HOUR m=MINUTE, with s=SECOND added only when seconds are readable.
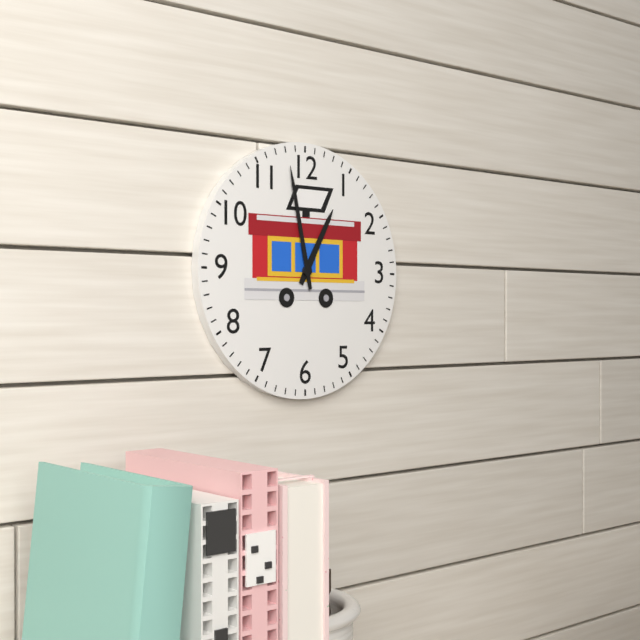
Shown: h=12 m=58
